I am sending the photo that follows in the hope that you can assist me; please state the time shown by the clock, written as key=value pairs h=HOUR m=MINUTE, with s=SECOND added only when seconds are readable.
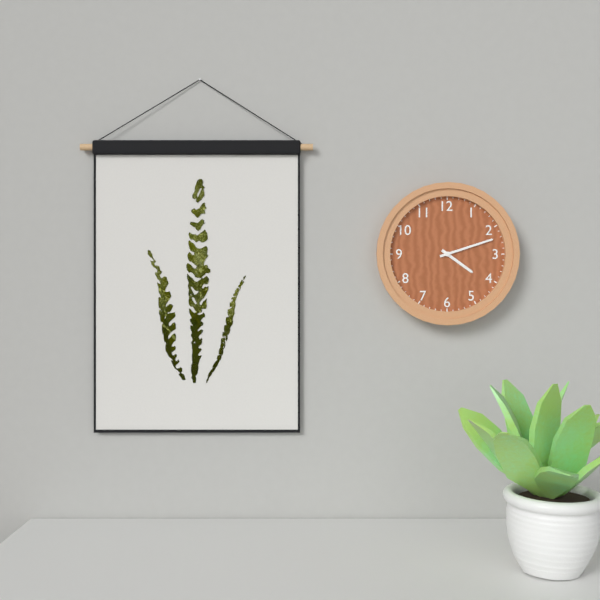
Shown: h=4 m=12
